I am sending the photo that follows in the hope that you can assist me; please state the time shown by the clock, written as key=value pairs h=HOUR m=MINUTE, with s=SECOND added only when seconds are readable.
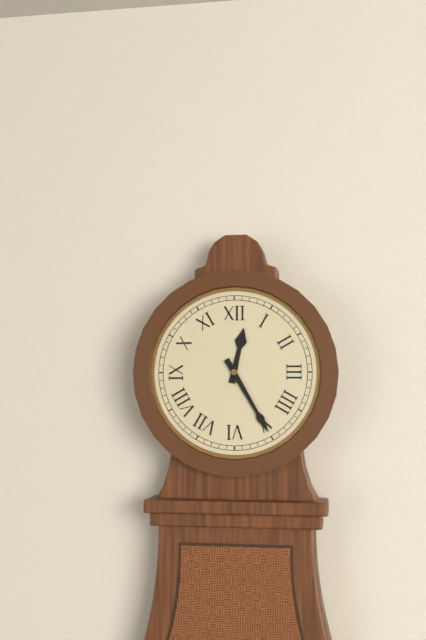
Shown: h=12 m=25
